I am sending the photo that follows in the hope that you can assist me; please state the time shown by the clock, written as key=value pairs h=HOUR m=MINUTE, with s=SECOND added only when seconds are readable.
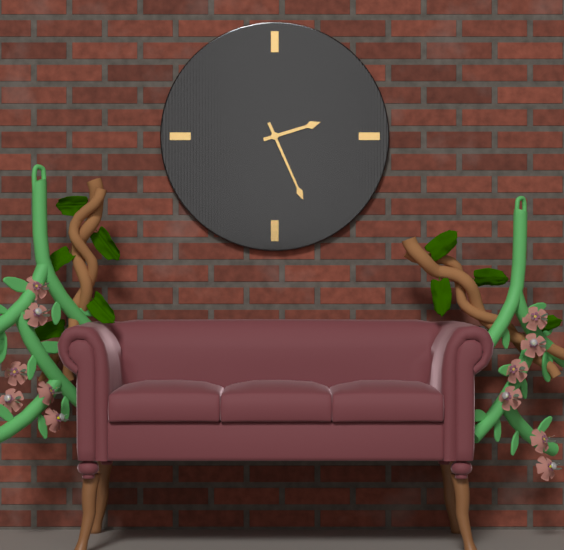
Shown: h=2 m=26
